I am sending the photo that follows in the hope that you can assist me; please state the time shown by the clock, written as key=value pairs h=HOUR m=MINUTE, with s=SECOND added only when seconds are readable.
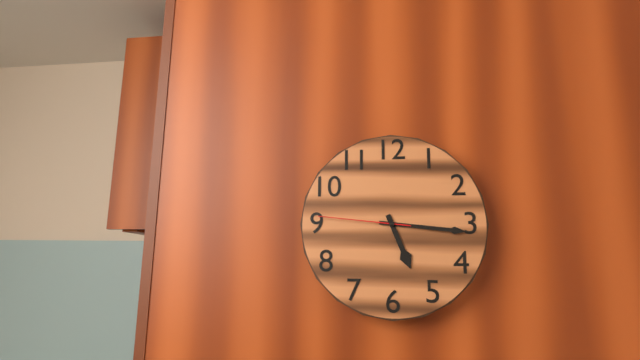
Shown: h=5 m=16 s=46
